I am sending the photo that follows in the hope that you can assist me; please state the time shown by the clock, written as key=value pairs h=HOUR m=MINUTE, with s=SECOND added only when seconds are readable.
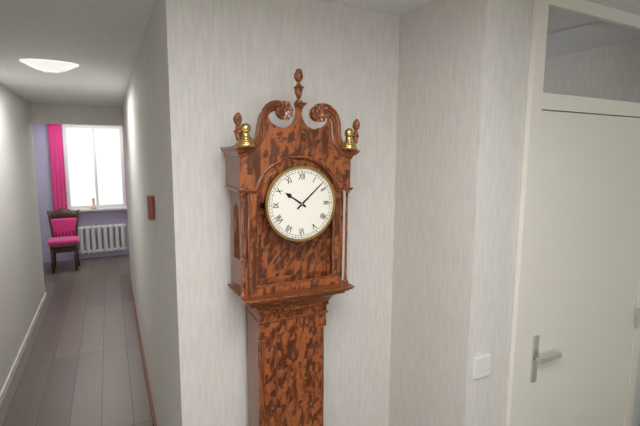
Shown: h=10 m=8
